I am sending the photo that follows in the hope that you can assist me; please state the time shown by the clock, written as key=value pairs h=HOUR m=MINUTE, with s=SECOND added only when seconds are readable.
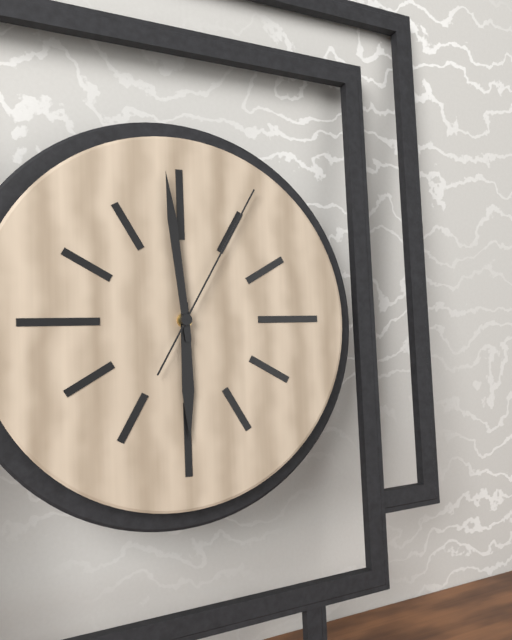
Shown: h=5 m=59 s=5
